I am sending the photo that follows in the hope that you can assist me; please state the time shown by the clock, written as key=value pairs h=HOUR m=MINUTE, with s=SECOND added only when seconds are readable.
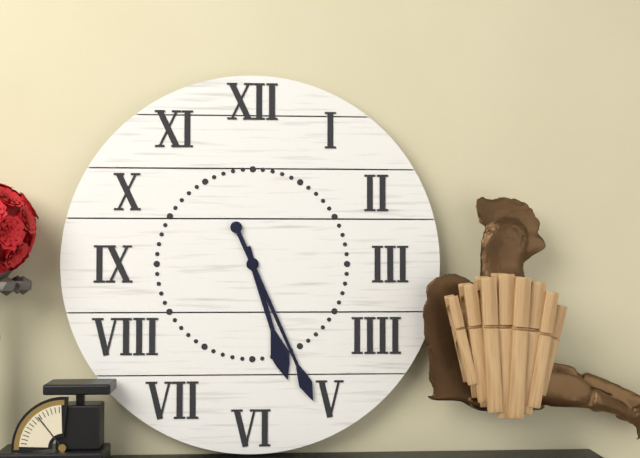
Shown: h=5 m=26
